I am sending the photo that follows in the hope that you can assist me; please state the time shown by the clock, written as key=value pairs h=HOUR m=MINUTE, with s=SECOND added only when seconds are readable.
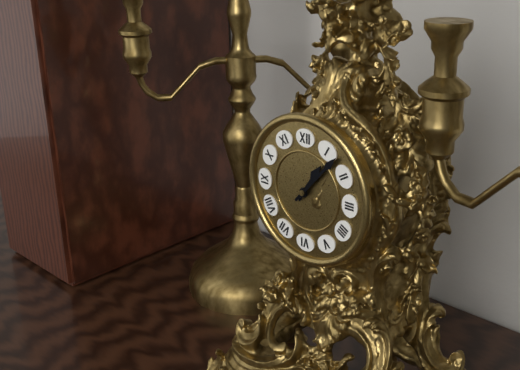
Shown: h=1 m=7
